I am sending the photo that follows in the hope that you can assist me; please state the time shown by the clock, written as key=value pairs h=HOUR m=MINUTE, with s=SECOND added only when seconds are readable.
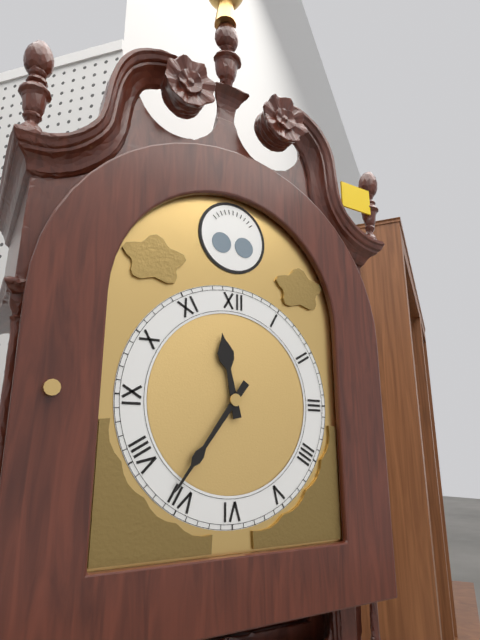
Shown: h=11 m=36
